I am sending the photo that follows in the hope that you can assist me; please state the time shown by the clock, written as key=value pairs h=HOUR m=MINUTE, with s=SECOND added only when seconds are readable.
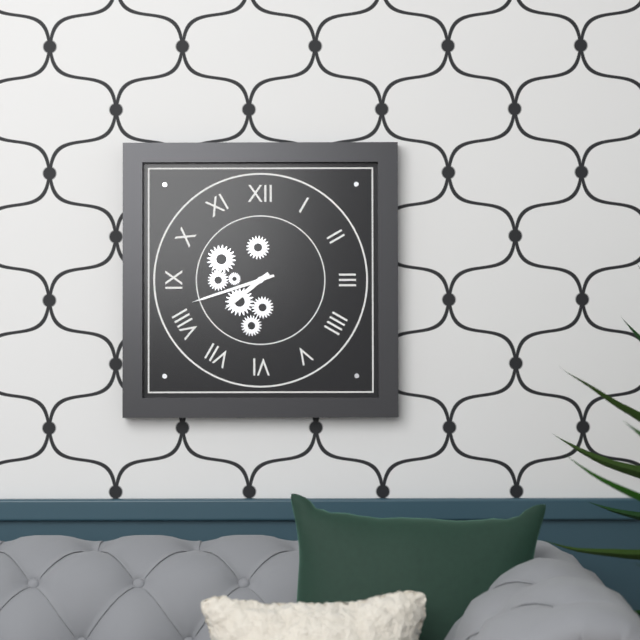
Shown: h=7 m=42
